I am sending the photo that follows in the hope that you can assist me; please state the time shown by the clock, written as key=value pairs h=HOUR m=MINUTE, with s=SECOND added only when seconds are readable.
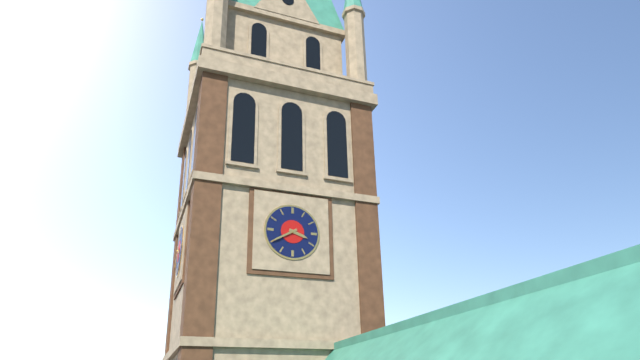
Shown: h=3 m=40
